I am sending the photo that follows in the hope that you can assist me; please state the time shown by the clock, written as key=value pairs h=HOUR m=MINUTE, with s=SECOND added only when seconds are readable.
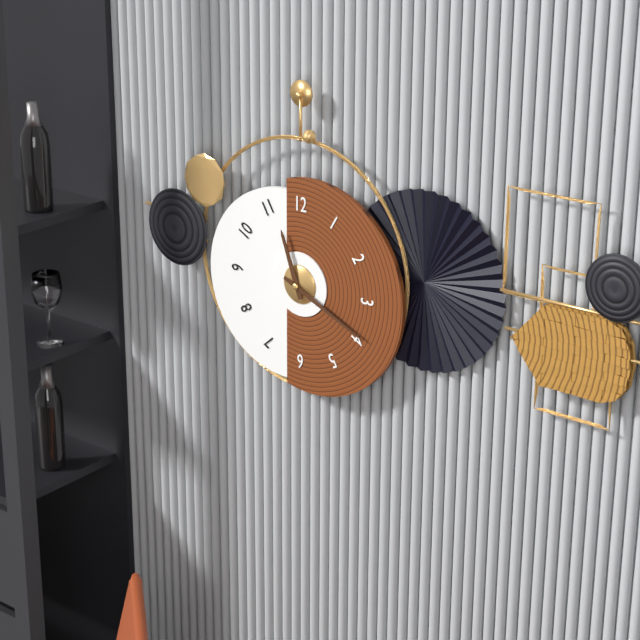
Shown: h=11 m=19
